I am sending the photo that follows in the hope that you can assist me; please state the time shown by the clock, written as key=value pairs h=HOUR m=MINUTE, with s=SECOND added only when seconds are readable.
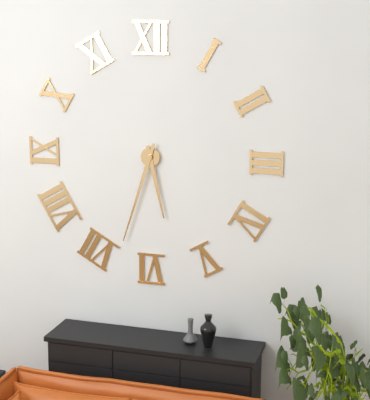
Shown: h=5 m=33
